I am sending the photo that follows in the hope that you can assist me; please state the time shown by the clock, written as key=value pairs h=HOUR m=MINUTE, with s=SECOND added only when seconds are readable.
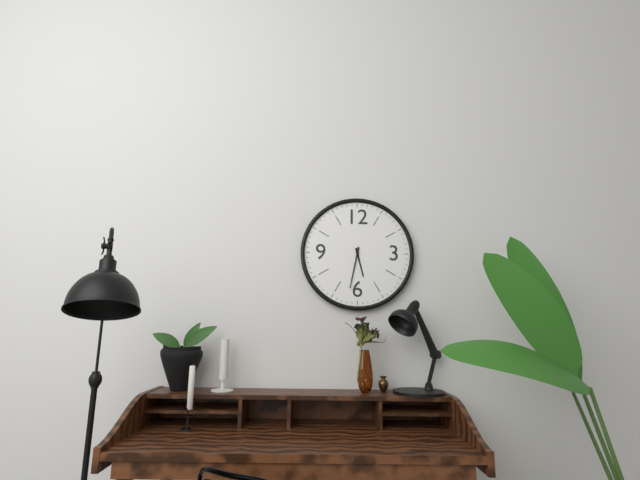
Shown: h=5 m=32
